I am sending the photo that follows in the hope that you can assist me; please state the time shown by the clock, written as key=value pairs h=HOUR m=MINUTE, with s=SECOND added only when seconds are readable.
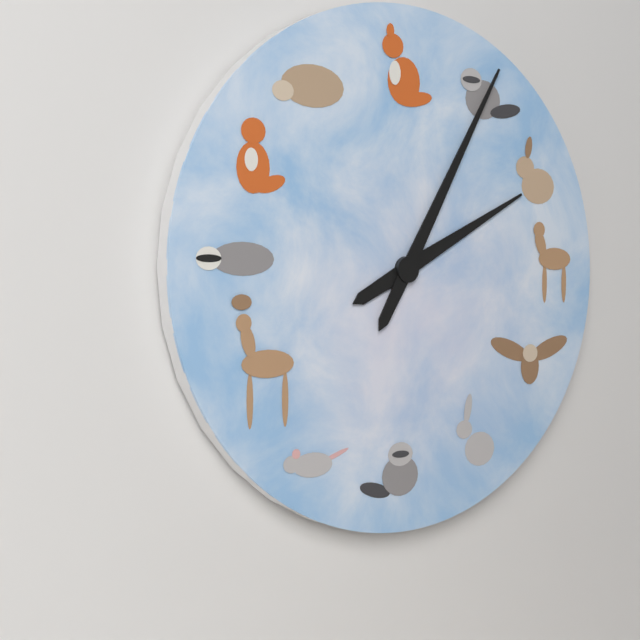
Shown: h=2 m=5
